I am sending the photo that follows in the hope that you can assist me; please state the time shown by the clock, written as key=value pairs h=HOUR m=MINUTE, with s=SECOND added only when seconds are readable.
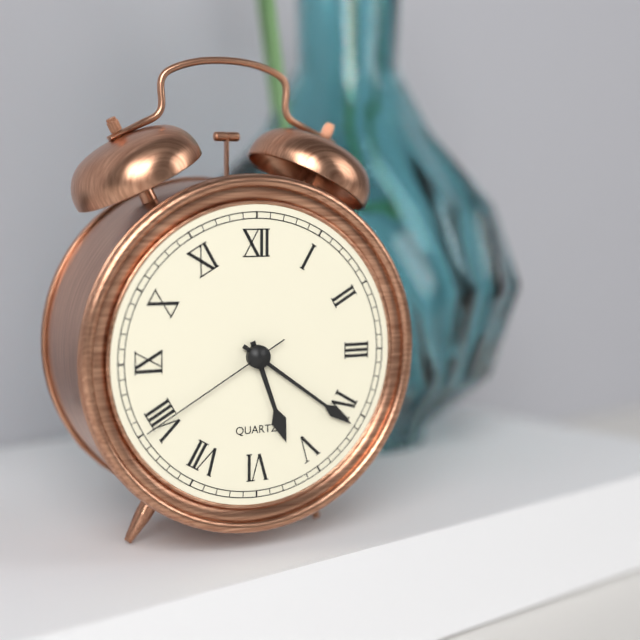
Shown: h=5 m=21 s=40
